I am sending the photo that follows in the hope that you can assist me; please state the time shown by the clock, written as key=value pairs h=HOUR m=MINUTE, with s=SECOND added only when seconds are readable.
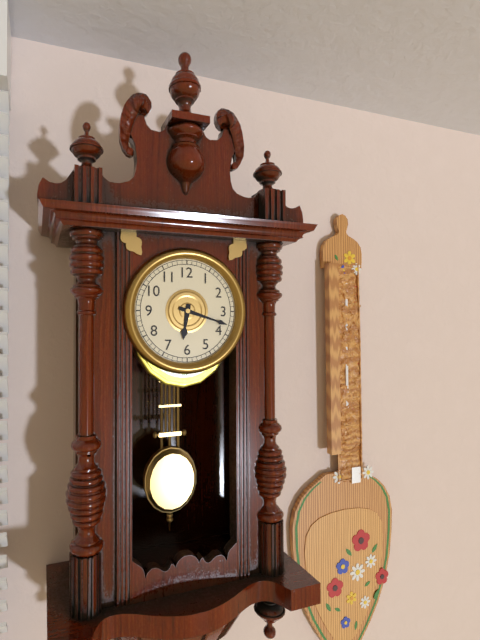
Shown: h=6 m=18
